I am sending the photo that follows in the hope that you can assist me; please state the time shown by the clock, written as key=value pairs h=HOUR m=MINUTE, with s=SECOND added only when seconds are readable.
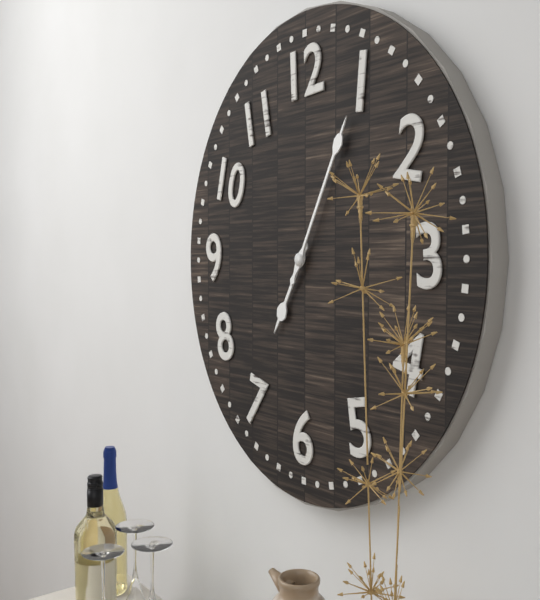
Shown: h=7 m=5
